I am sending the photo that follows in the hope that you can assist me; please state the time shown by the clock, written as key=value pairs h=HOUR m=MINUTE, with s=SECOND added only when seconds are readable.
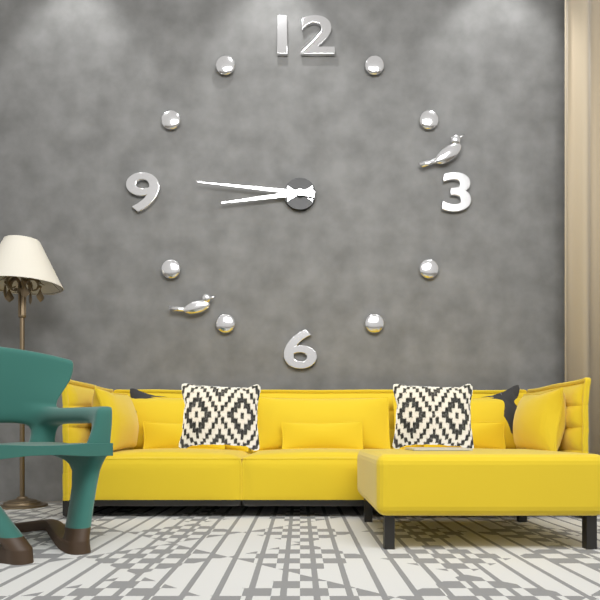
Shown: h=8 m=46
